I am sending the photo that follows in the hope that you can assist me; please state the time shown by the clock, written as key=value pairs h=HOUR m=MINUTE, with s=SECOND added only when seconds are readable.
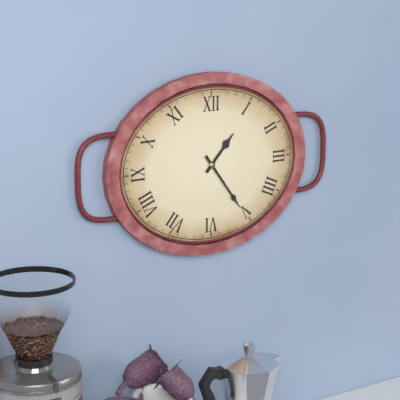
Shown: h=1 m=24
